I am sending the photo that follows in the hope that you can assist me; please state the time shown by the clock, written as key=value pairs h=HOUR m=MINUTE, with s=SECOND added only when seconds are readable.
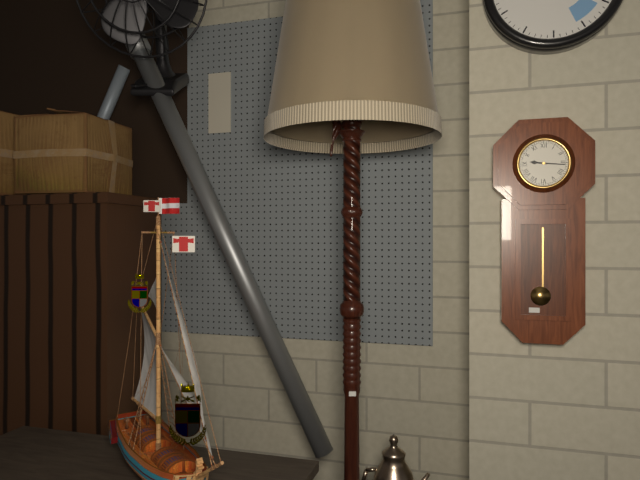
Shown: h=9 m=16
